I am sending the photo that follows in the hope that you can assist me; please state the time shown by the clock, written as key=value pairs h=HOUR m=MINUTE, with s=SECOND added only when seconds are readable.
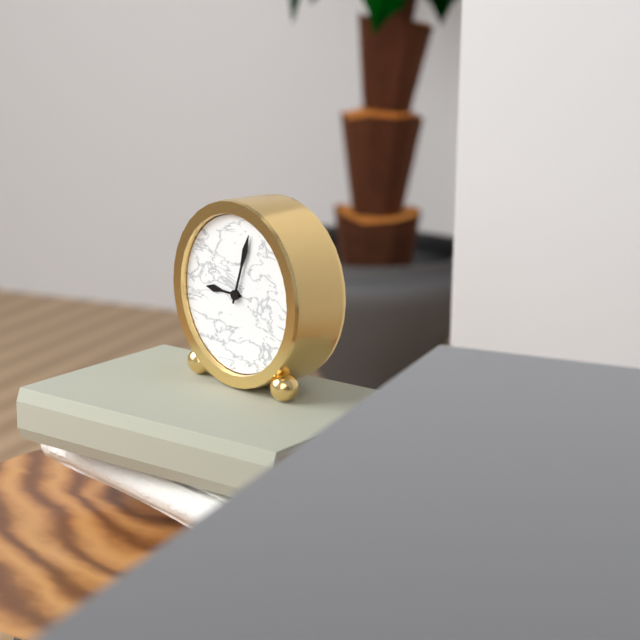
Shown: h=9 m=3
